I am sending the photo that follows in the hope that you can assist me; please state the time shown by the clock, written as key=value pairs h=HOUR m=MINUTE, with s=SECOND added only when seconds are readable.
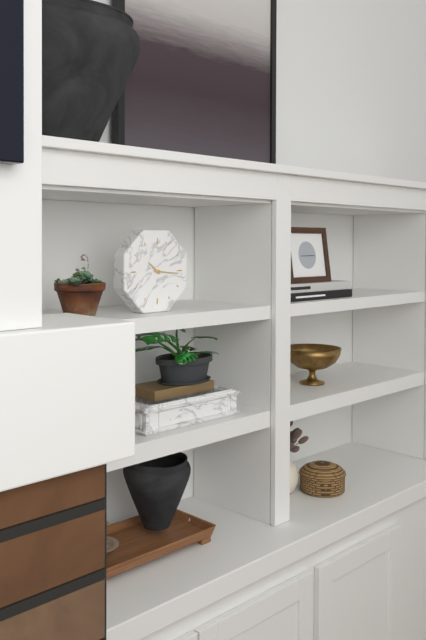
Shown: h=10 m=16
